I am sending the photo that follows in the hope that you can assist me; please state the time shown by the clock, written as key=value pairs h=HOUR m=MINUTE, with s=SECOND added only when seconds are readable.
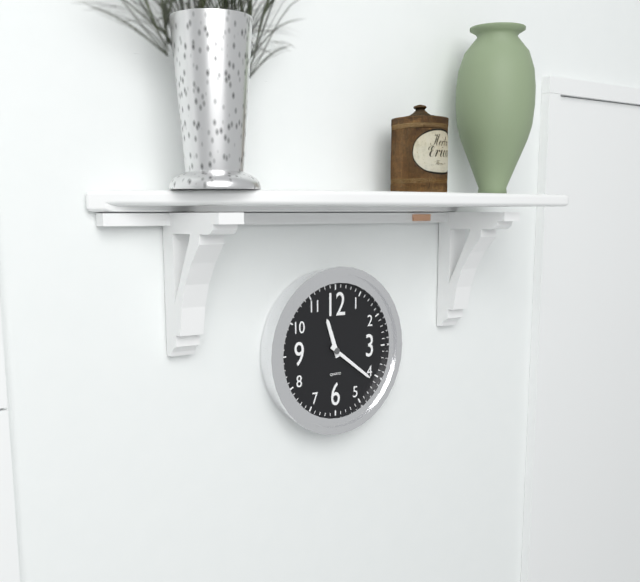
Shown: h=11 m=21
